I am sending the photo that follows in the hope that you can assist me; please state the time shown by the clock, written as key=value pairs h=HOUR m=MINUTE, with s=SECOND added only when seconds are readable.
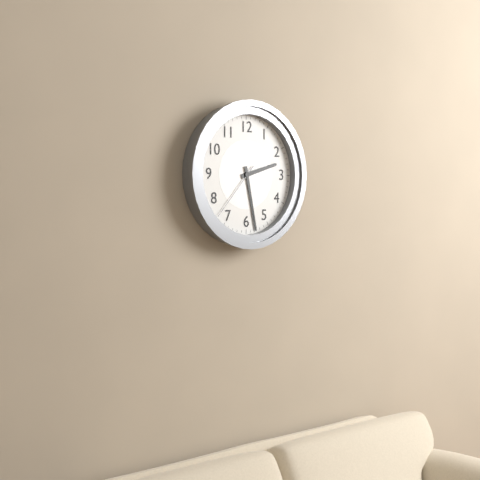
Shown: h=2 m=28 s=37
